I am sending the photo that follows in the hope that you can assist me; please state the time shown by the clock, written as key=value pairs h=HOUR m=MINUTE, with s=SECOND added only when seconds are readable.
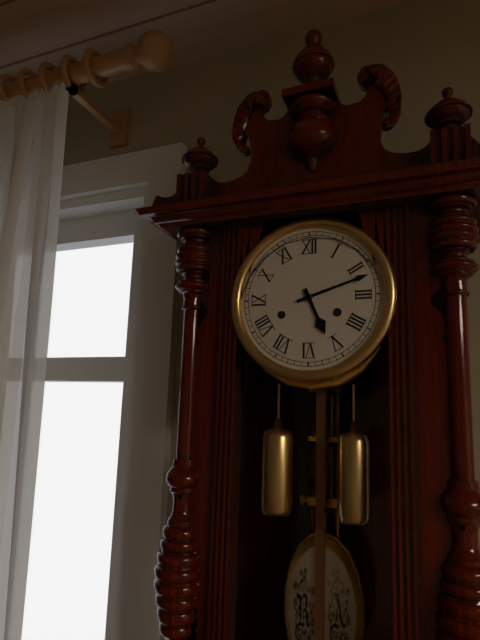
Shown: h=5 m=12
